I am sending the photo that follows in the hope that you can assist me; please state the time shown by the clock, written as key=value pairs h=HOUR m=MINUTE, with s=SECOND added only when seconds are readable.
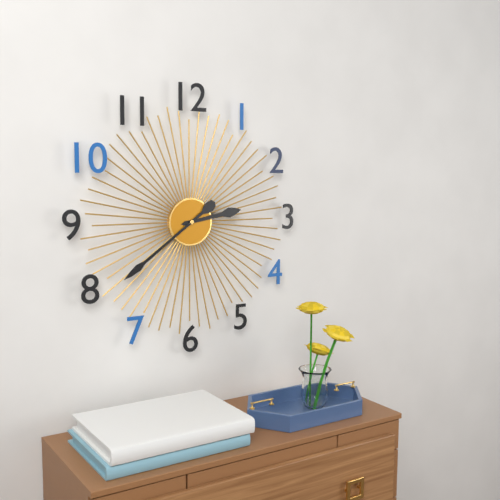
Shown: h=2 m=39
